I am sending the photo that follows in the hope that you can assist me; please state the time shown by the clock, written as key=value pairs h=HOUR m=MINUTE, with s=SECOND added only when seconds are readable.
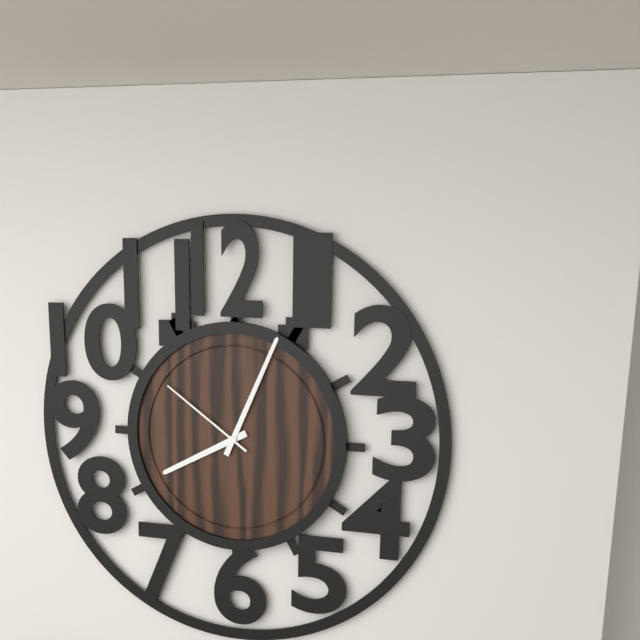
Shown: h=8 m=4 s=51
